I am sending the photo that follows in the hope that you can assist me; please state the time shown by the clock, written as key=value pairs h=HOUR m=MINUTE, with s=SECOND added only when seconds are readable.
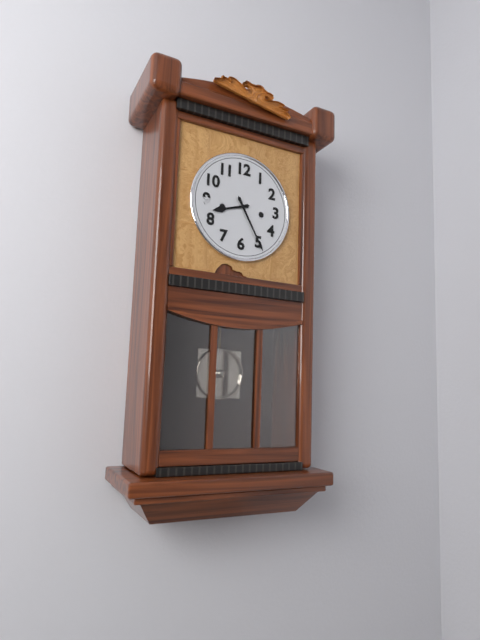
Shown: h=8 m=25
